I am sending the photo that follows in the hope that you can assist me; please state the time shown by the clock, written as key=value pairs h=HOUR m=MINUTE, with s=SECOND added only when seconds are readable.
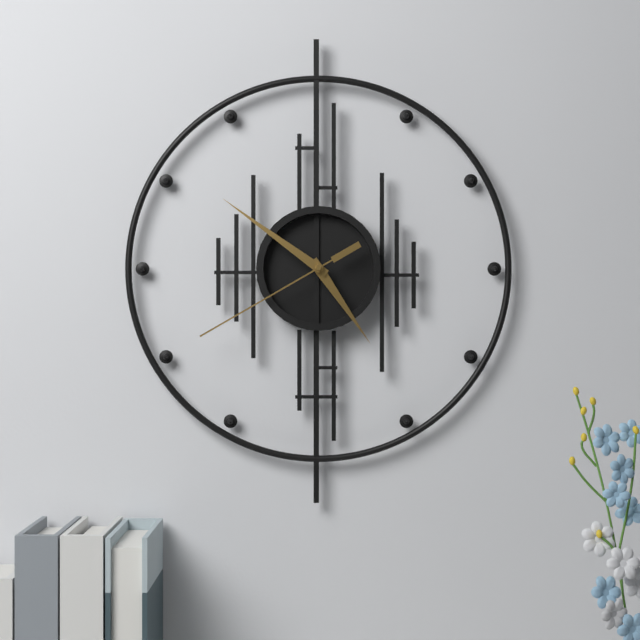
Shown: h=4 m=51 s=40
